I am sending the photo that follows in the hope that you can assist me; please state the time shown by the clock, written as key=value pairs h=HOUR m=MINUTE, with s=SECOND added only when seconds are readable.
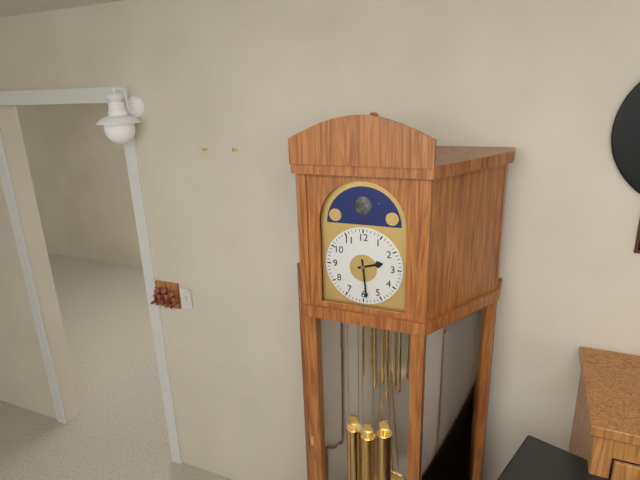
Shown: h=2 m=29
